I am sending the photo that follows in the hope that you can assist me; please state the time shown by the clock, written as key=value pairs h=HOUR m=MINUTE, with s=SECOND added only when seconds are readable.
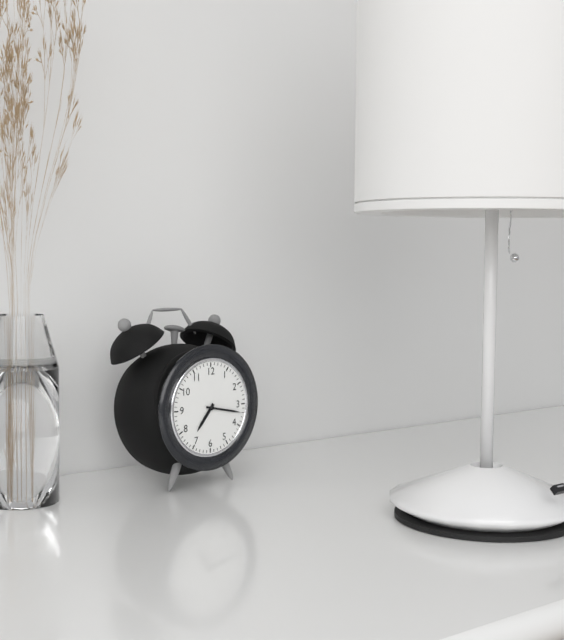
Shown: h=7 m=17
